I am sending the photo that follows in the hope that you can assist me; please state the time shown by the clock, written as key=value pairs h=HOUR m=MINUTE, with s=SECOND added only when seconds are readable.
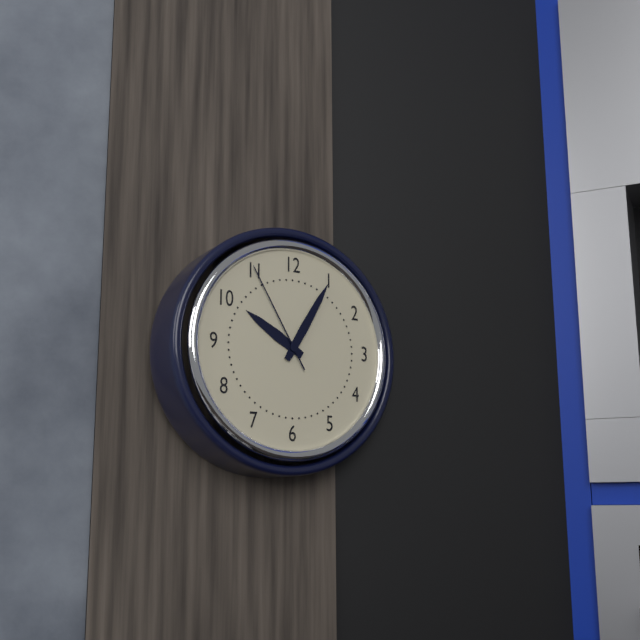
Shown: h=10 m=5 s=55
